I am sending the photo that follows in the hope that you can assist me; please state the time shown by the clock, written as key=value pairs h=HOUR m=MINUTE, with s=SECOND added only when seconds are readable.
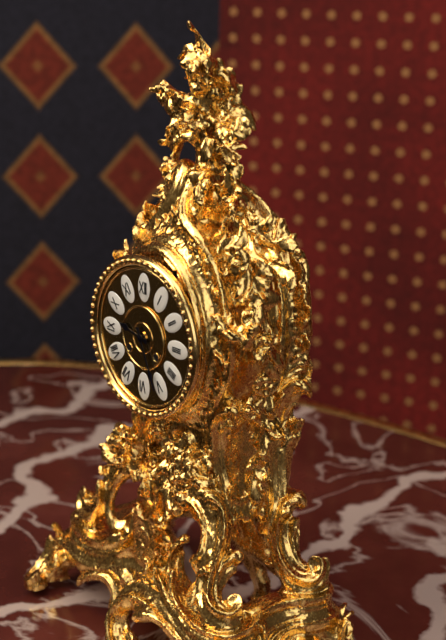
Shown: h=9 m=26
